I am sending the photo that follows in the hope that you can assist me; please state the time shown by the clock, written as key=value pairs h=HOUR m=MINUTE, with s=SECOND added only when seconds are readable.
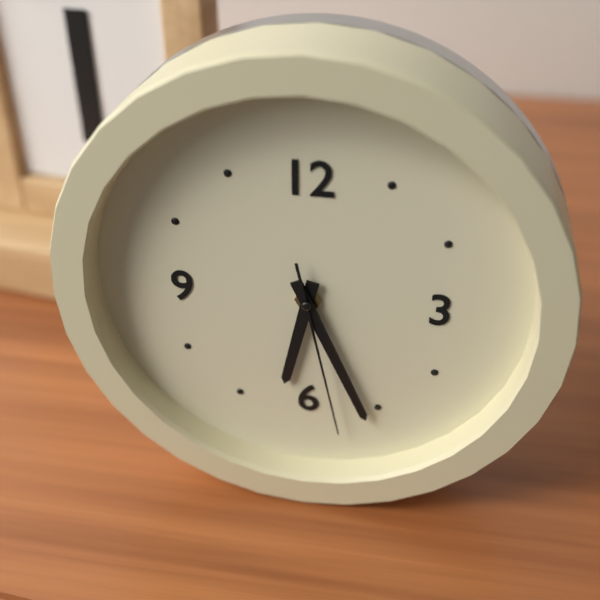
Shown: h=6 m=26 s=28
